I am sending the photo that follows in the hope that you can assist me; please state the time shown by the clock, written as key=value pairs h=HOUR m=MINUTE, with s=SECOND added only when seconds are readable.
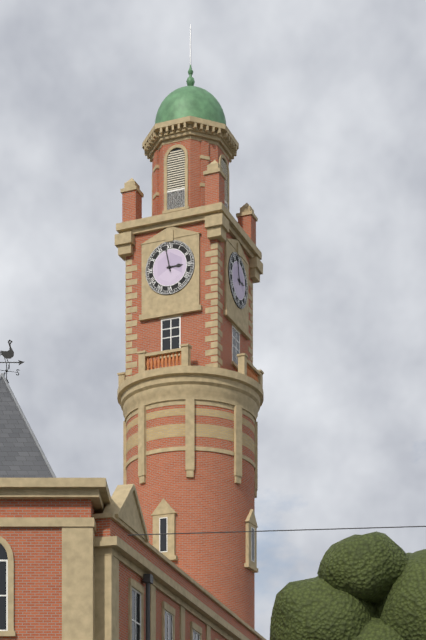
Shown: h=2 m=58
